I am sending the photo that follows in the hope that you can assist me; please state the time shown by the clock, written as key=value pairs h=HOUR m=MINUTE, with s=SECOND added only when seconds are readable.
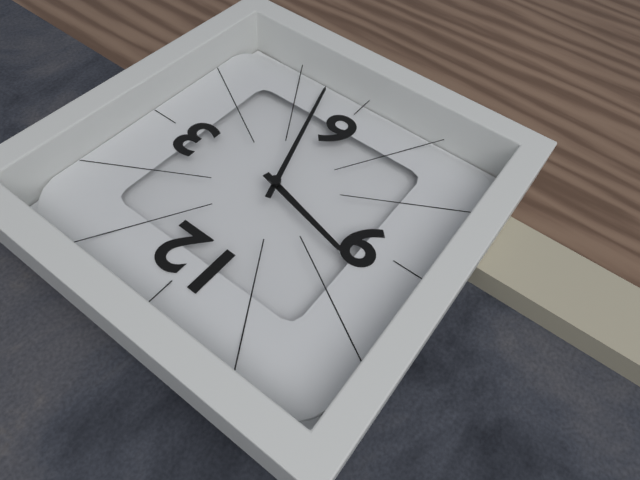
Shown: h=9 m=27
